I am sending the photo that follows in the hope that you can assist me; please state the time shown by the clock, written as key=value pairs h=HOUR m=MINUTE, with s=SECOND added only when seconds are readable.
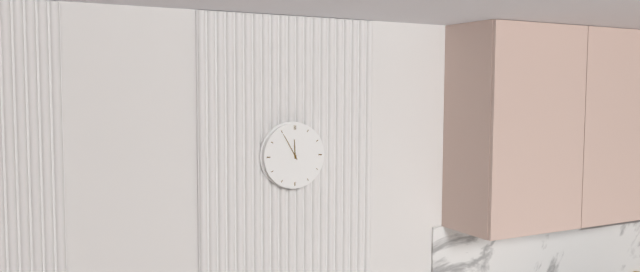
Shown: h=11 m=55
